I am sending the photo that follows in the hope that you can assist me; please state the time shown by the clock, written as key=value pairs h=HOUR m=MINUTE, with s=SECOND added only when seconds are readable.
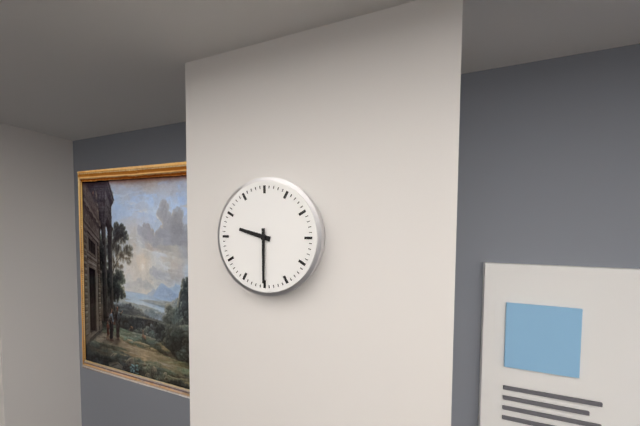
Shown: h=9 m=30
